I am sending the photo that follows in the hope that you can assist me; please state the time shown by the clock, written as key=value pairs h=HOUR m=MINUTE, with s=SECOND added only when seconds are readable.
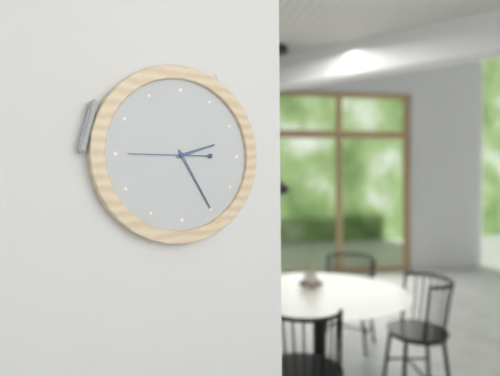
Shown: h=2 m=25 s=45
